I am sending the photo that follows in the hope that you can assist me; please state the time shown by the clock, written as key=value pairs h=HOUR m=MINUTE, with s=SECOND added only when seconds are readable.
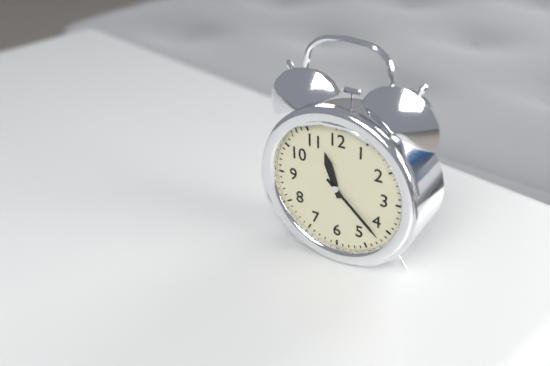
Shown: h=11 m=22
